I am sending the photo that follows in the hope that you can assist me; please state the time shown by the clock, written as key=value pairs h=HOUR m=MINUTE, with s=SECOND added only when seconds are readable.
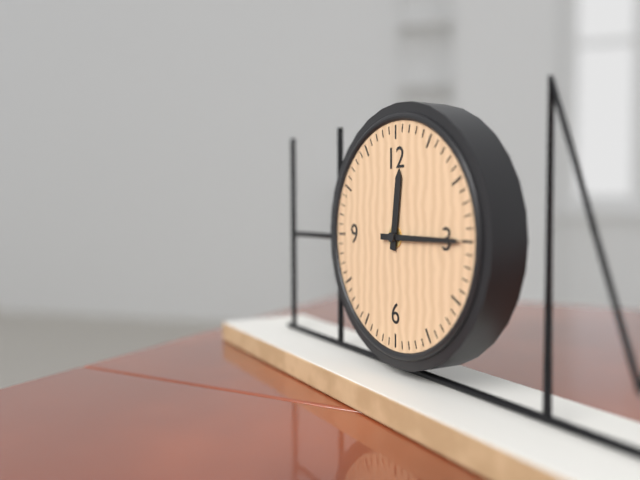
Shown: h=12 m=15
